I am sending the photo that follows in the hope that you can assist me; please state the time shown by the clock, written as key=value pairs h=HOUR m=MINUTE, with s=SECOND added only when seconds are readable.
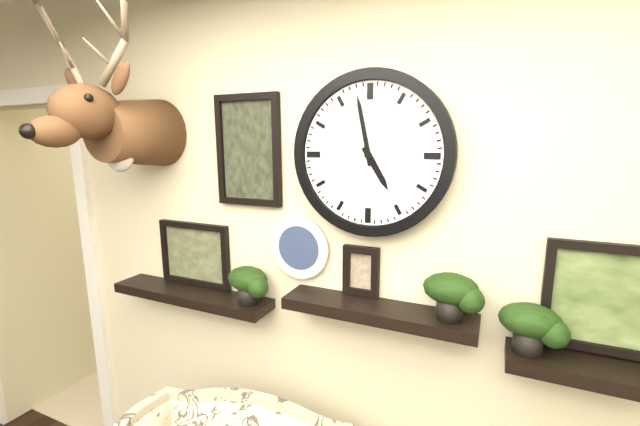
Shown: h=4 m=58
